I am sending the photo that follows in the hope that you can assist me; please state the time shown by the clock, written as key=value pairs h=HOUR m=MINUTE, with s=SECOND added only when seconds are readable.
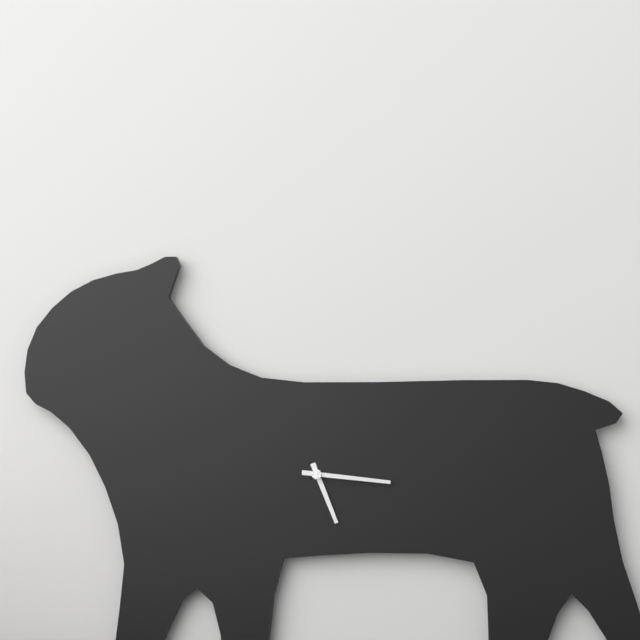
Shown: h=5 m=16
